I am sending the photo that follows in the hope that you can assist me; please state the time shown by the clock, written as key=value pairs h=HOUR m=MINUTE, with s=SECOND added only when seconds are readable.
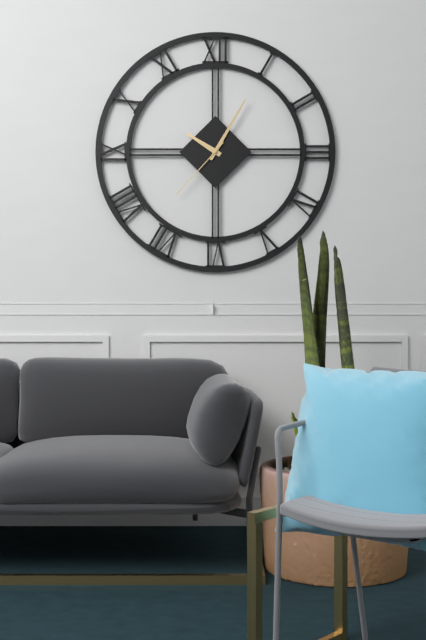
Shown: h=10 m=5 s=37
